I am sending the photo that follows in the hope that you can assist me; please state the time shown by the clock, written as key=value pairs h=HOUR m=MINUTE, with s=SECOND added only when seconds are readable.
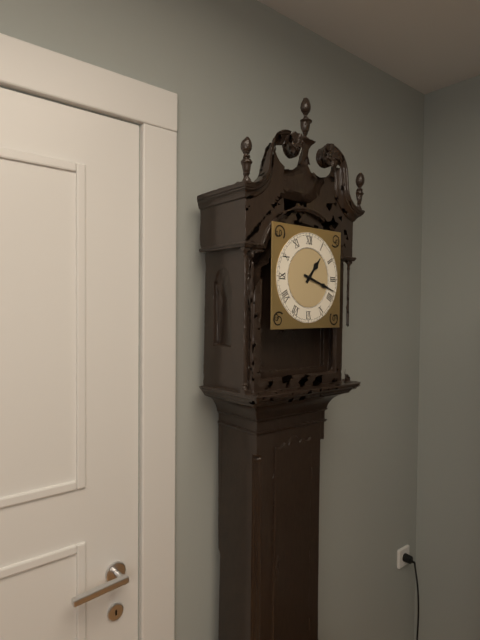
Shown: h=1 m=18
